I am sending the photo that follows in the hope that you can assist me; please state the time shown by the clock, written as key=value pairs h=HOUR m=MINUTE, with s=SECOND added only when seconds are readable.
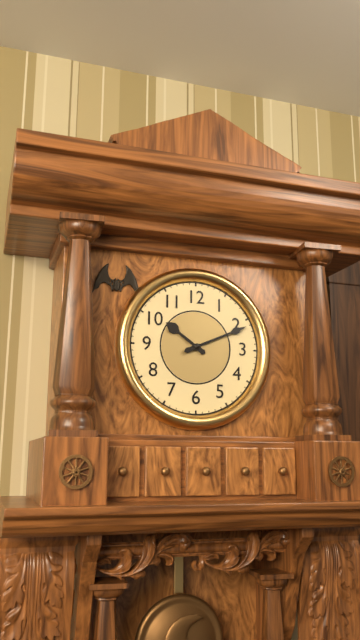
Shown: h=10 m=11
